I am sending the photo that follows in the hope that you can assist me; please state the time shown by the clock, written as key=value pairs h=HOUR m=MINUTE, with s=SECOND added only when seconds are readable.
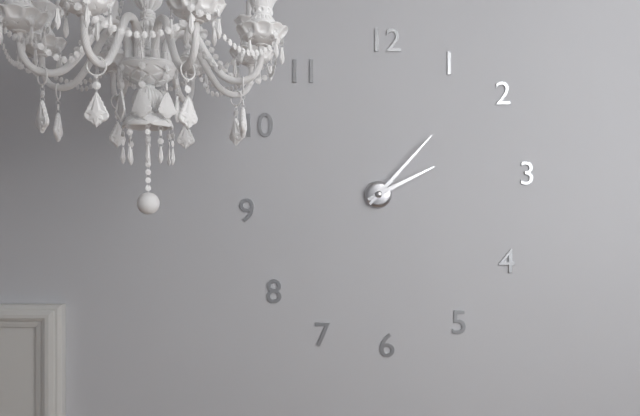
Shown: h=2 m=7
